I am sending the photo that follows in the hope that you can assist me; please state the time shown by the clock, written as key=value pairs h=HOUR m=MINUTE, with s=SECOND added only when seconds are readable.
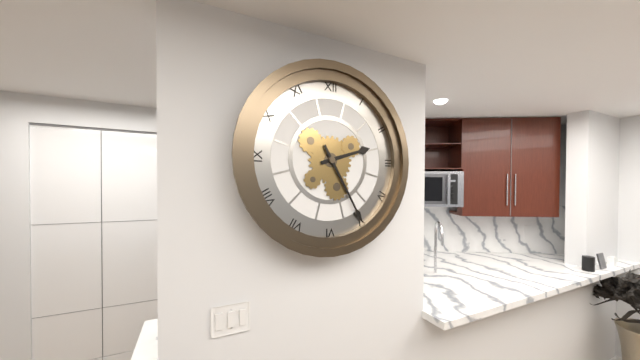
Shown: h=2 m=25
